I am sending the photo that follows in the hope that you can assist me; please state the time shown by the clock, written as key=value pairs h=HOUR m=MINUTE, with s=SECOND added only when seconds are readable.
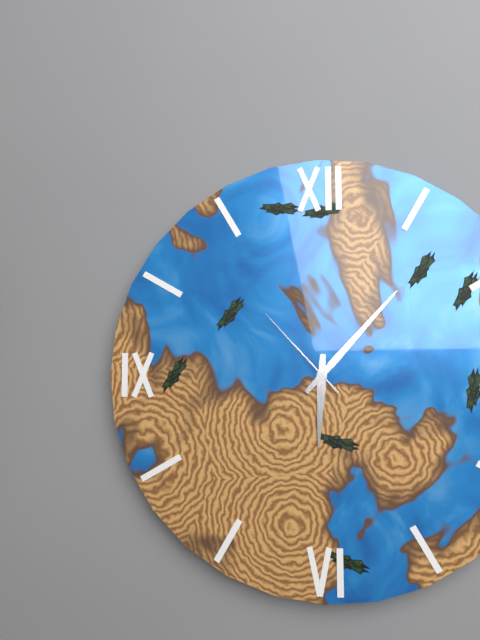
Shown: h=6 m=7 s=53
